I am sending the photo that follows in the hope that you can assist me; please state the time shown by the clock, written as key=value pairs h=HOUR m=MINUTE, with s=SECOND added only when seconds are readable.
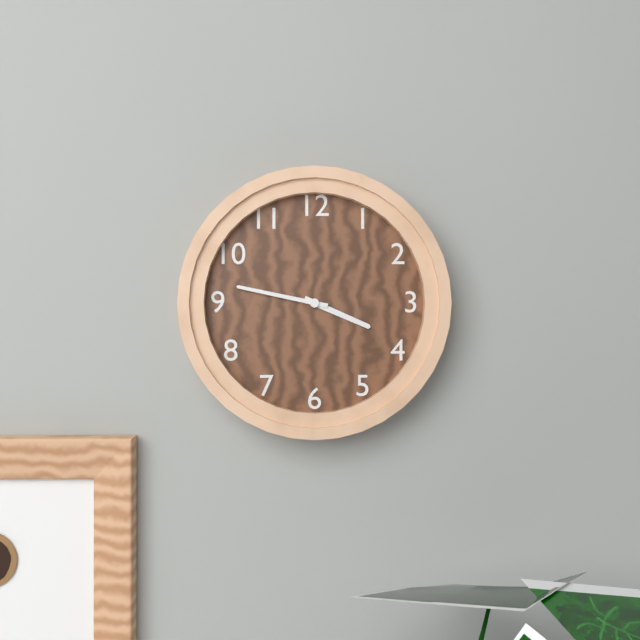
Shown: h=3 m=47
